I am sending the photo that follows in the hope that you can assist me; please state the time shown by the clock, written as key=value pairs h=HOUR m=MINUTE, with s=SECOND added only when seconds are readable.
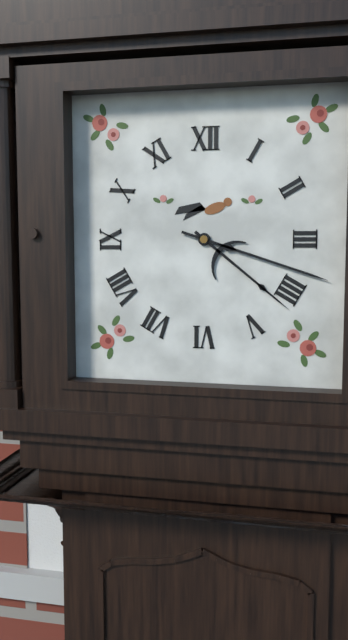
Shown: h=4 m=18
